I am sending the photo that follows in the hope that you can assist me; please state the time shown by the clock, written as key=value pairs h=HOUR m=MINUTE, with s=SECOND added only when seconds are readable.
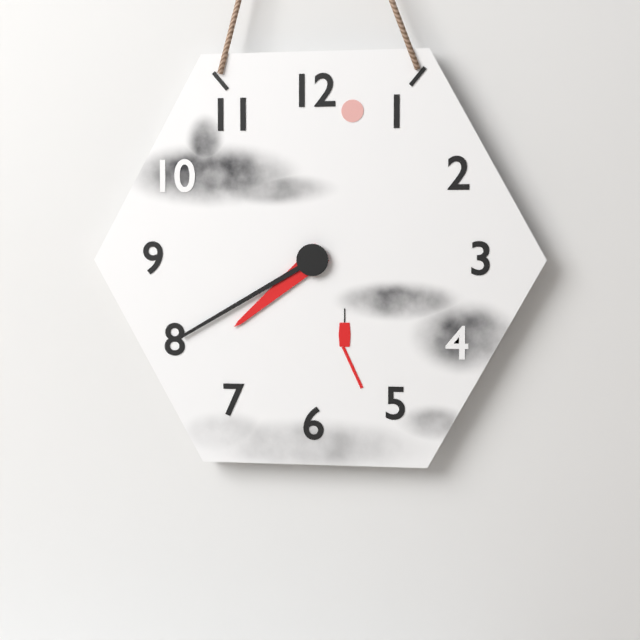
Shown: h=7 m=40
